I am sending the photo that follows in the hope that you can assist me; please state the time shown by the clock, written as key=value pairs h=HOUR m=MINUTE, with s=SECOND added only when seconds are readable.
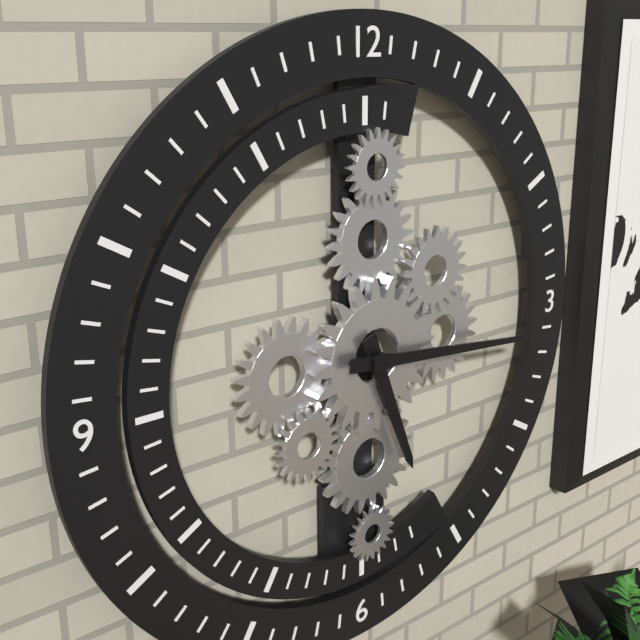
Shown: h=5 m=16
